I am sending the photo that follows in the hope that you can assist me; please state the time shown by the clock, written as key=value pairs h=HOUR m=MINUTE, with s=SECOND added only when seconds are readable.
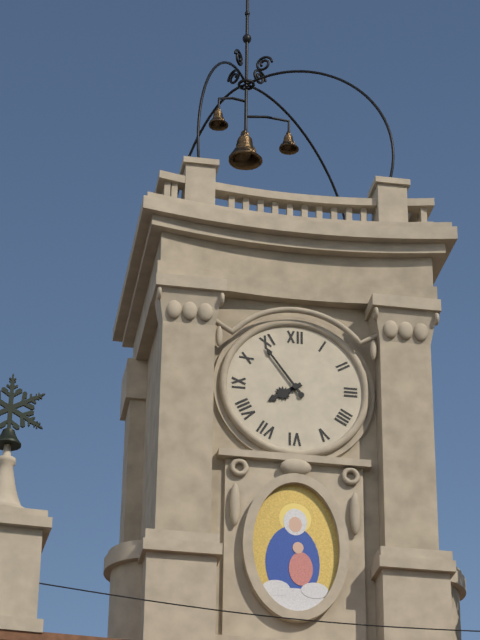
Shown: h=7 m=54
